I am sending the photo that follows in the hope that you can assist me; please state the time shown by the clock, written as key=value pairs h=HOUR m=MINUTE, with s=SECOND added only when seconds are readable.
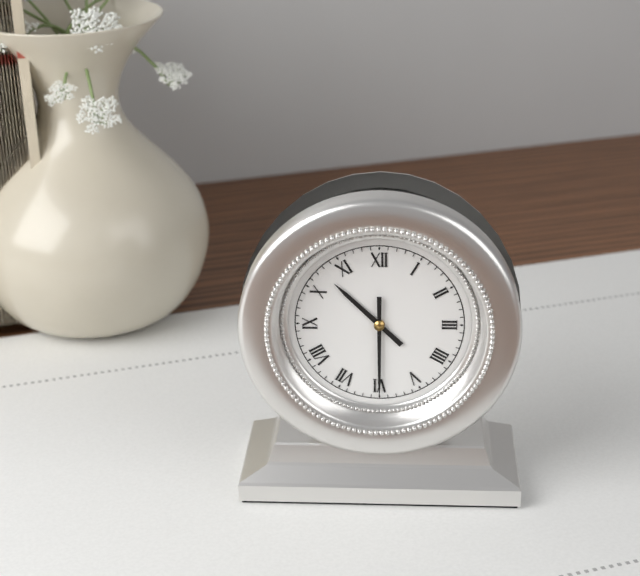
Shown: h=10 m=30
